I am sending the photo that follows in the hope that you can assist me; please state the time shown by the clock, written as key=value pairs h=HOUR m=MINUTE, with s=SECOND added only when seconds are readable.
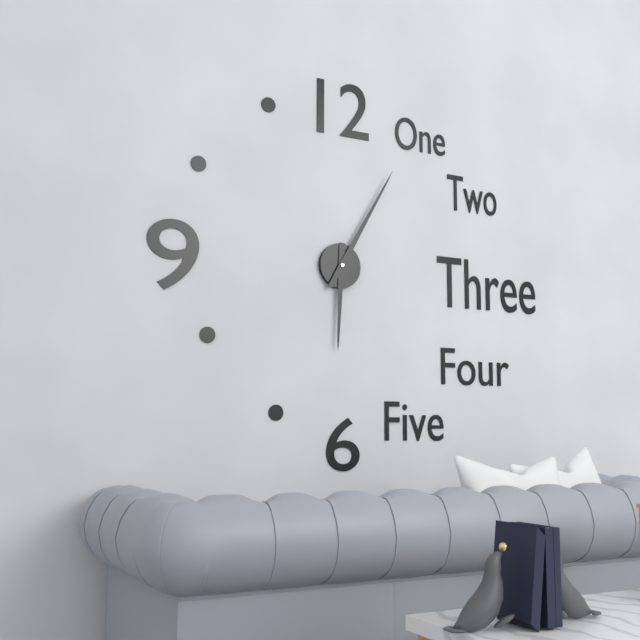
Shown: h=6 m=5
